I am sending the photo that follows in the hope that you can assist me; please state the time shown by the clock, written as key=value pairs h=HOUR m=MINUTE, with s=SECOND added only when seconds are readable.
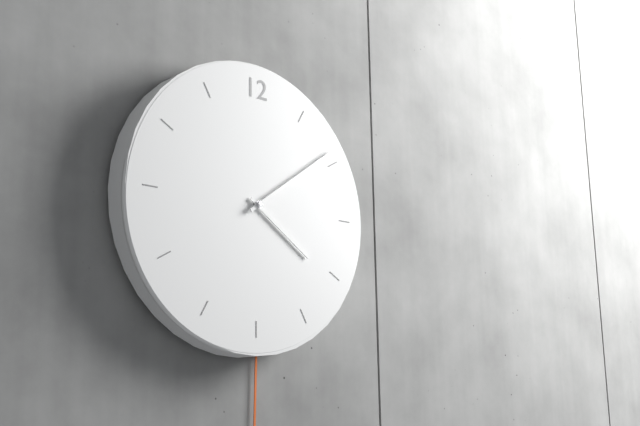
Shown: h=4 m=9
